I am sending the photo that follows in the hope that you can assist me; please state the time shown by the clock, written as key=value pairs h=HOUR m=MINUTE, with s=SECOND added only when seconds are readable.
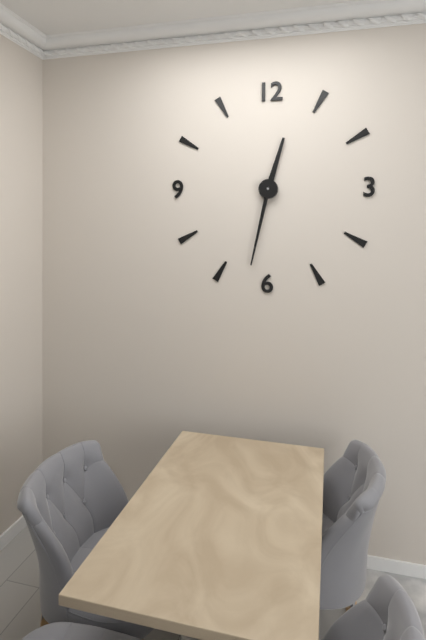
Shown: h=12 m=32
